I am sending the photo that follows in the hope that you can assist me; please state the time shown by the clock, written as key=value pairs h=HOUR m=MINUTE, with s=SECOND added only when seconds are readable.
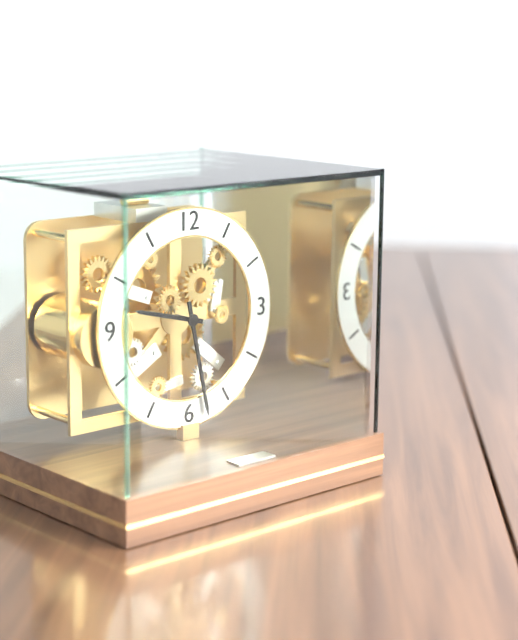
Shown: h=9 m=28
